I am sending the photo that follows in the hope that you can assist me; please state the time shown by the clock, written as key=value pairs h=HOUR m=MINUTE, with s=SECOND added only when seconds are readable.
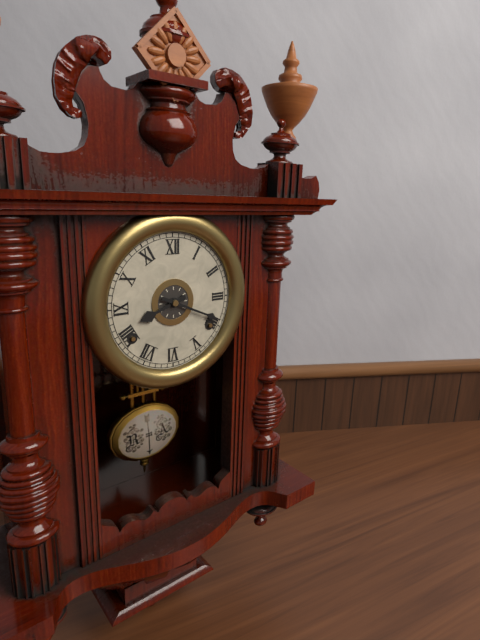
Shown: h=8 m=19
